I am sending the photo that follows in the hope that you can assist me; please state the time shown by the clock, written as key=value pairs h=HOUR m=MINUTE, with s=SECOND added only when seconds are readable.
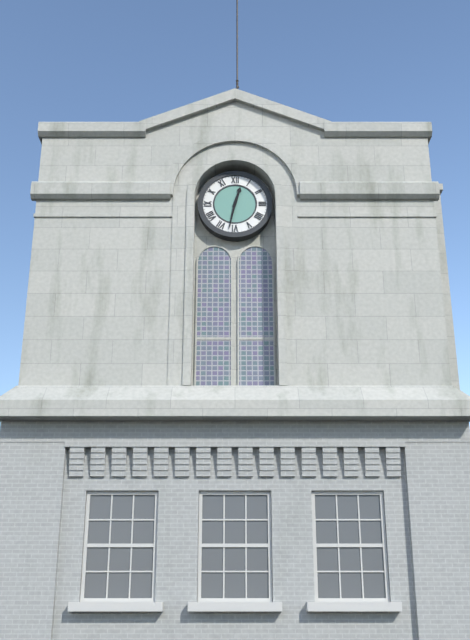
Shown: h=12 m=32
